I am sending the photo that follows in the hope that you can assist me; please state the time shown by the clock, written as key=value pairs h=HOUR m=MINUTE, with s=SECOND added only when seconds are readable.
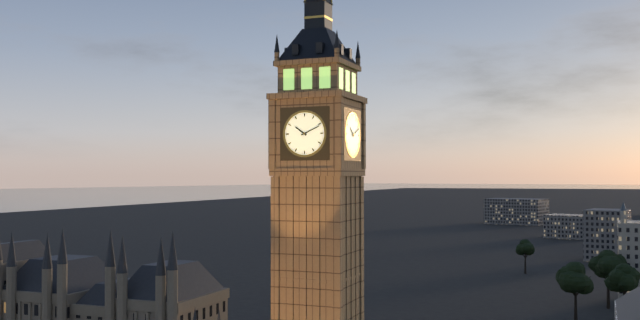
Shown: h=10 m=11
